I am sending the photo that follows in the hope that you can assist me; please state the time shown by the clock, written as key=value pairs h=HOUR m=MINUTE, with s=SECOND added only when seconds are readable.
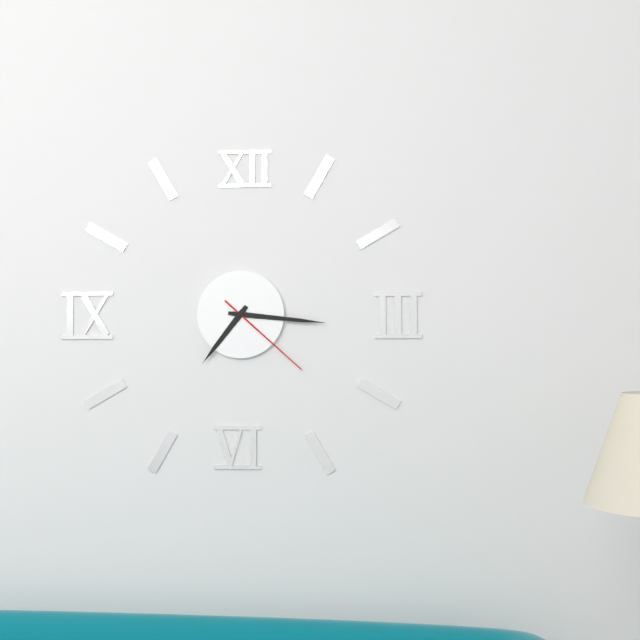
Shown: h=7 m=16 s=22
